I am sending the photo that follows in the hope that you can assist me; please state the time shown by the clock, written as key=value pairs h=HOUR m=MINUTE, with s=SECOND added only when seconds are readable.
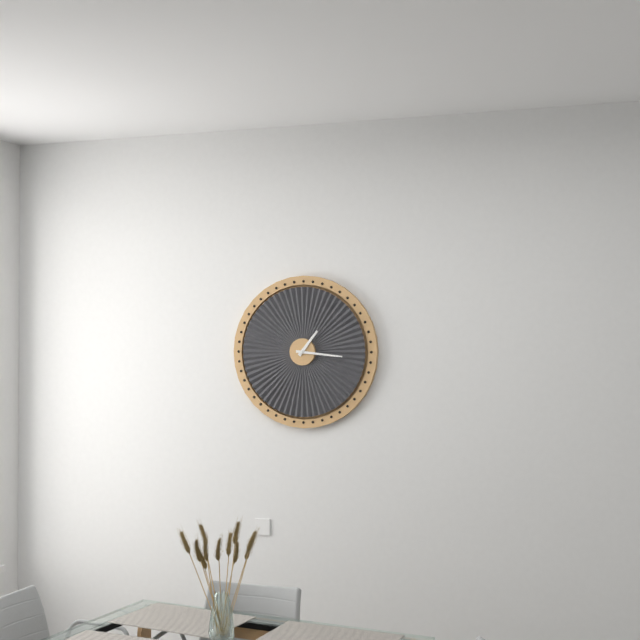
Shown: h=1 m=16
